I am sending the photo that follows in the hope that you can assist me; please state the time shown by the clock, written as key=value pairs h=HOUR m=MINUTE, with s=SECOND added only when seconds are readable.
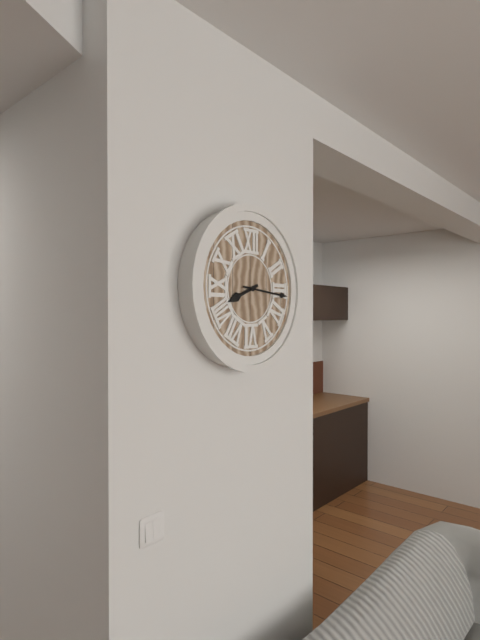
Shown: h=8 m=16
